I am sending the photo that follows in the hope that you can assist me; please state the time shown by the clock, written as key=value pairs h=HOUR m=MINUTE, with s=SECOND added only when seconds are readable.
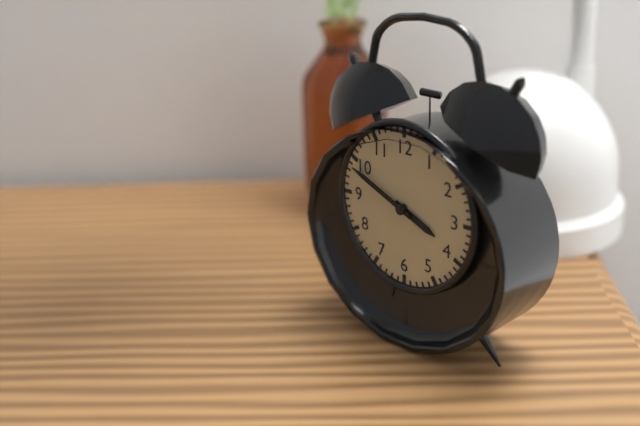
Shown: h=3 m=49
